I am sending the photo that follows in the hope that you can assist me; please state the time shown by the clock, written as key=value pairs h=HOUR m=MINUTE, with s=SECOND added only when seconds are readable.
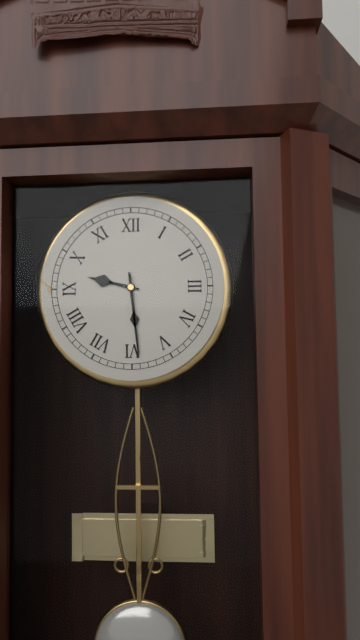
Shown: h=9 m=29
